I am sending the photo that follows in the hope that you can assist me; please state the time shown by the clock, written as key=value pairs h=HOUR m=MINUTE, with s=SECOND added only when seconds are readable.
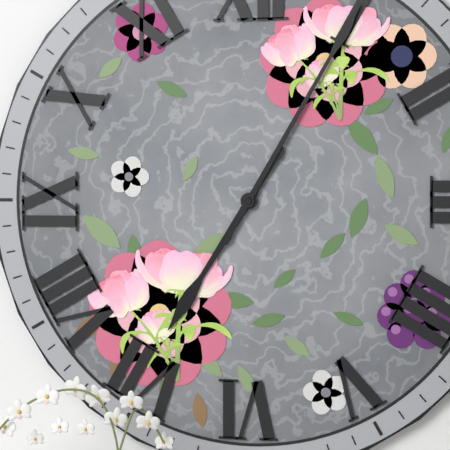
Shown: h=7 m=5
